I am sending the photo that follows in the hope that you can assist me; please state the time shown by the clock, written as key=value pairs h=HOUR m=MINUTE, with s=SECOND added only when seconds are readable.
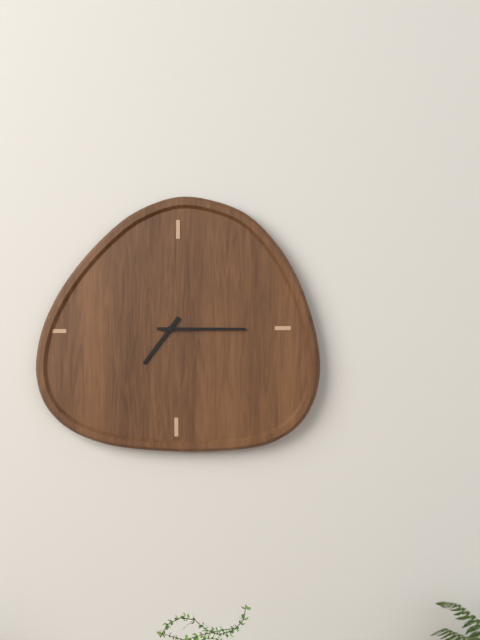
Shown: h=7 m=15
